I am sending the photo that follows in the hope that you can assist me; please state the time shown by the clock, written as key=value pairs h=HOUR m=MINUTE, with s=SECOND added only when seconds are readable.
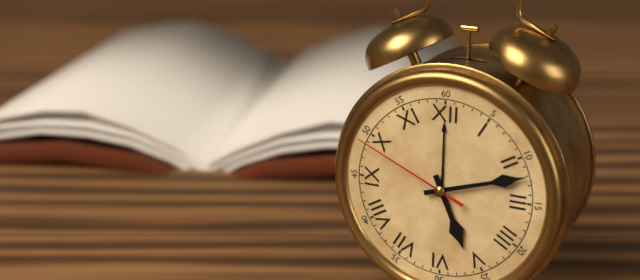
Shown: h=5 m=12 s=49
